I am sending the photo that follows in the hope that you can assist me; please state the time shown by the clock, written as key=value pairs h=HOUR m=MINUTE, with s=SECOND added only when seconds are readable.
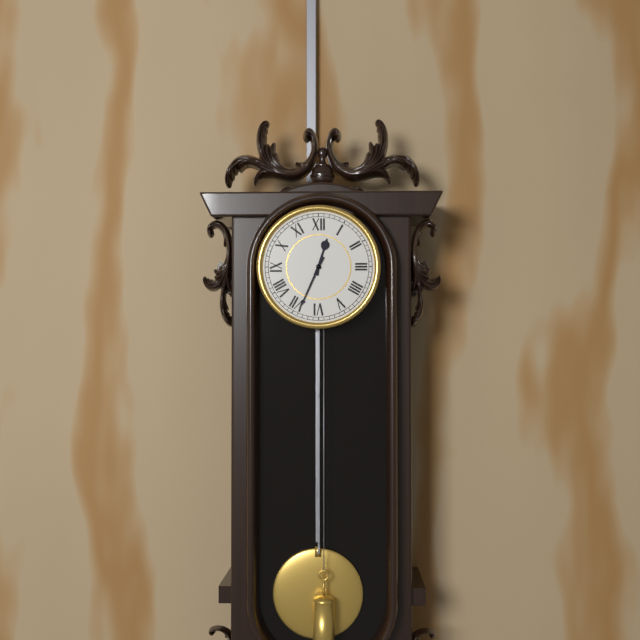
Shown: h=12 m=34
